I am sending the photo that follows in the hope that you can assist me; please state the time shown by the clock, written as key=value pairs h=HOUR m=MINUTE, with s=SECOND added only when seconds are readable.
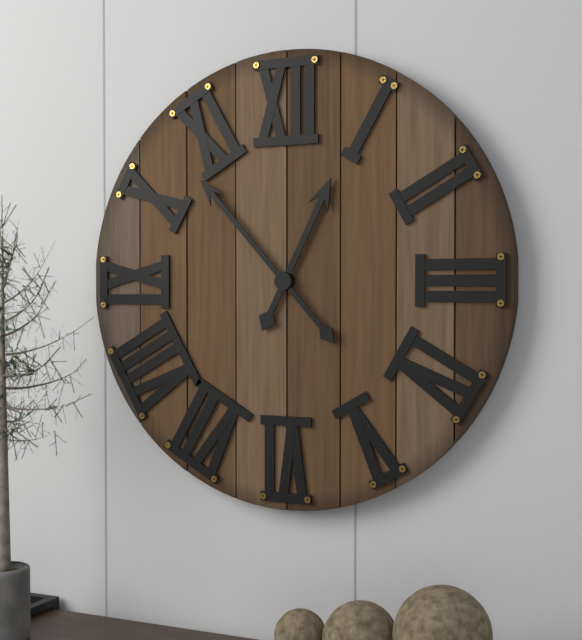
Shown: h=12 m=53
